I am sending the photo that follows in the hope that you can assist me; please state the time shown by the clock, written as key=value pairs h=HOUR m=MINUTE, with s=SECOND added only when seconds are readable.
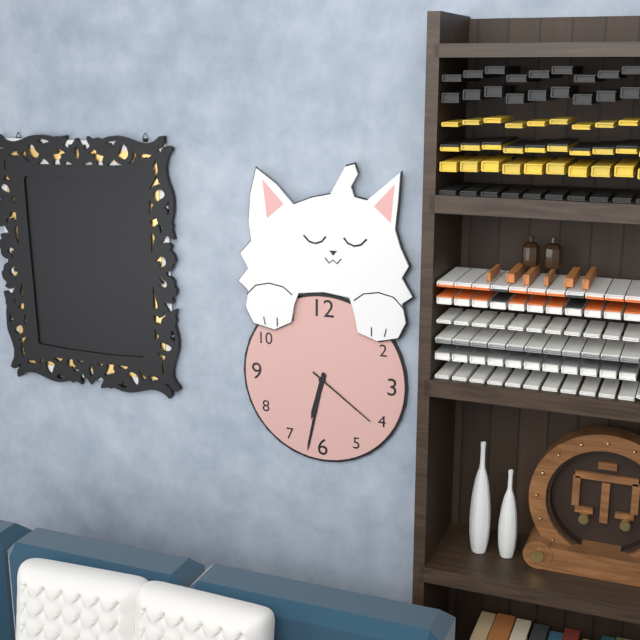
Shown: h=6 m=32 s=21
